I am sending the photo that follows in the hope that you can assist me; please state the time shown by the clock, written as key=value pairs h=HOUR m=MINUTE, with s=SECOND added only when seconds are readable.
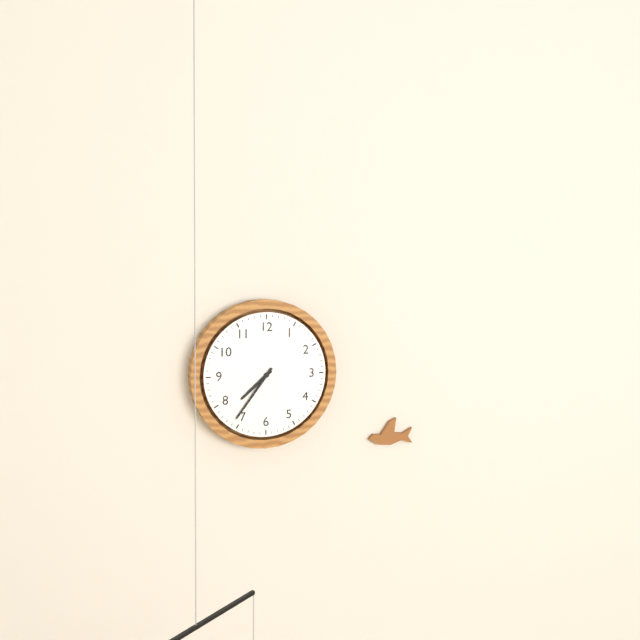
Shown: h=7 m=36
